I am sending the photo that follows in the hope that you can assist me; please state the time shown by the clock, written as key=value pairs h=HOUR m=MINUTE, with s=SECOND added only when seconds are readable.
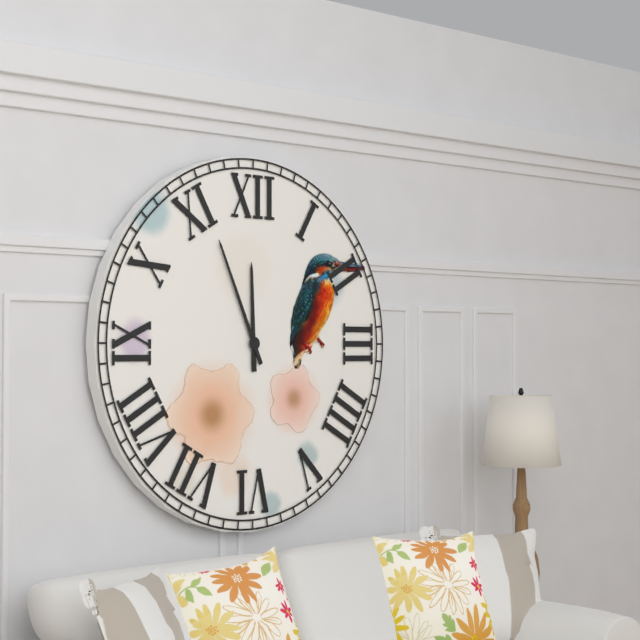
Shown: h=11 m=56
